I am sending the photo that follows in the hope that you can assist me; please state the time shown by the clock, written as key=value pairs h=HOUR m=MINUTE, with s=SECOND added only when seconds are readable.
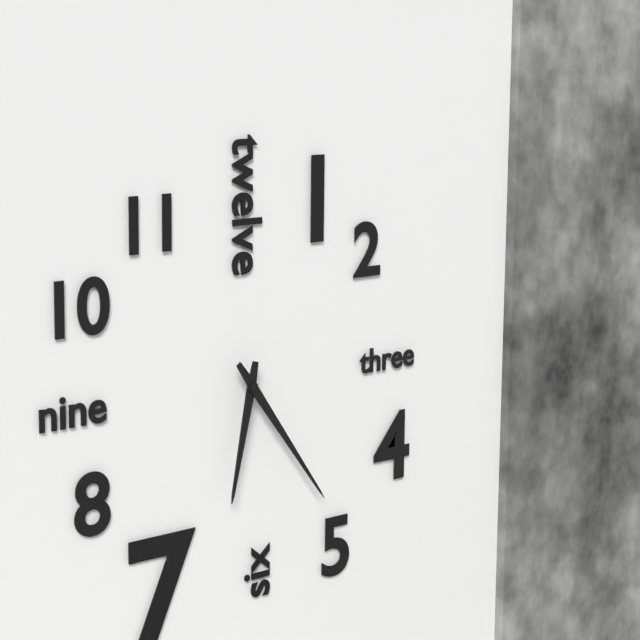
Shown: h=6 m=24
